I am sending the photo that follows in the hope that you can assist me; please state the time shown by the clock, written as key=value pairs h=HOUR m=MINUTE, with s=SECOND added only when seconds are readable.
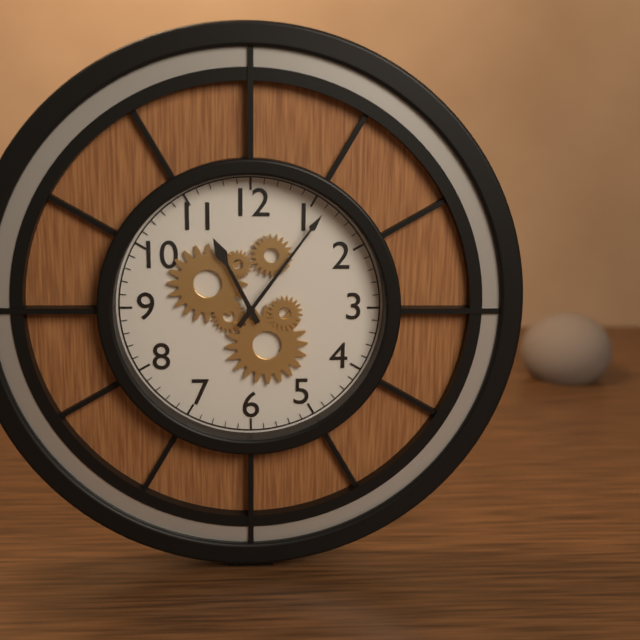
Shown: h=11 m=6
